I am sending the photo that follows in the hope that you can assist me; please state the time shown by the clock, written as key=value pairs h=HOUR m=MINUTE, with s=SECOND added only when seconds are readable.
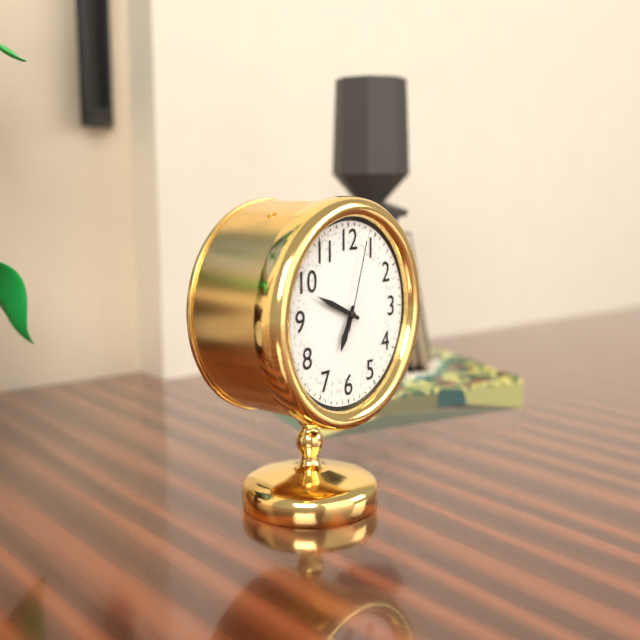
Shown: h=6 m=49 s=3
